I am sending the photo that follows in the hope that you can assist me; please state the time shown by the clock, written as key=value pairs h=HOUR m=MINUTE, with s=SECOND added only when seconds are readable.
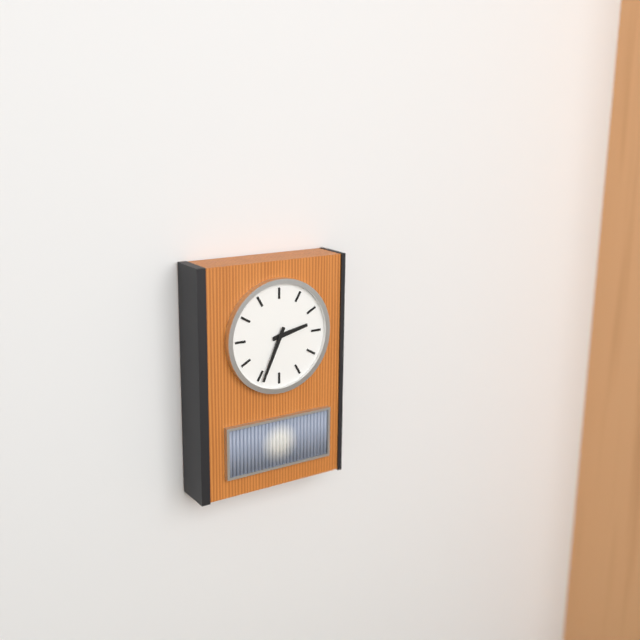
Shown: h=2 m=34
